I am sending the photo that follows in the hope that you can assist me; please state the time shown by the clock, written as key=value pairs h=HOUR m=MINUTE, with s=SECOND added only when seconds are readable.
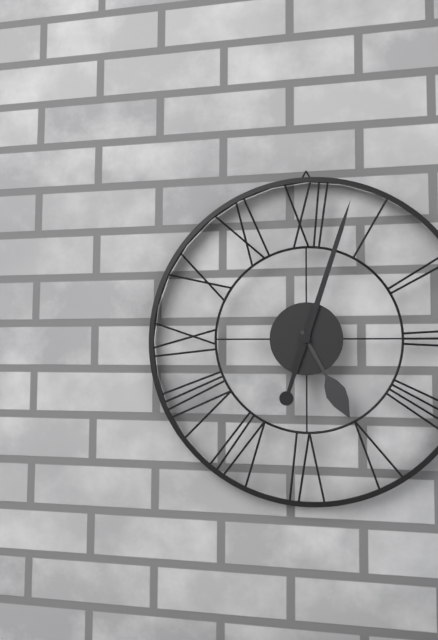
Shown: h=5 m=3
